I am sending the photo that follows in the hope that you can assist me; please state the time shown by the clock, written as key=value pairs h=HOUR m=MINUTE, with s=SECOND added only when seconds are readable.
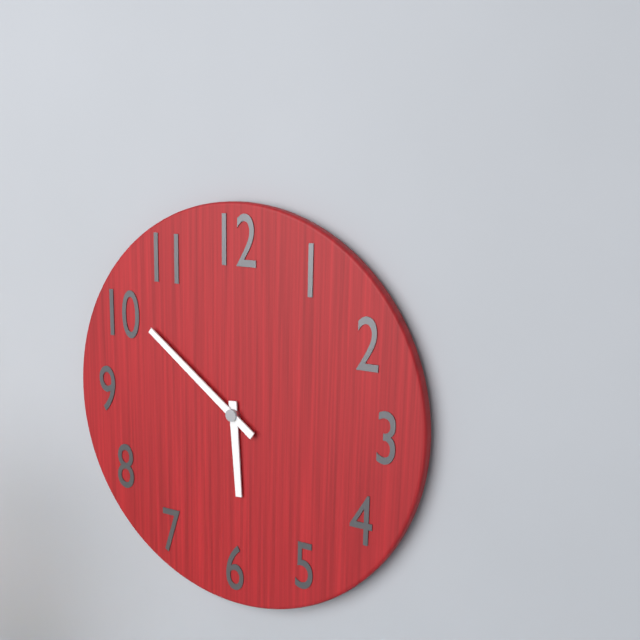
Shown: h=5 m=51
